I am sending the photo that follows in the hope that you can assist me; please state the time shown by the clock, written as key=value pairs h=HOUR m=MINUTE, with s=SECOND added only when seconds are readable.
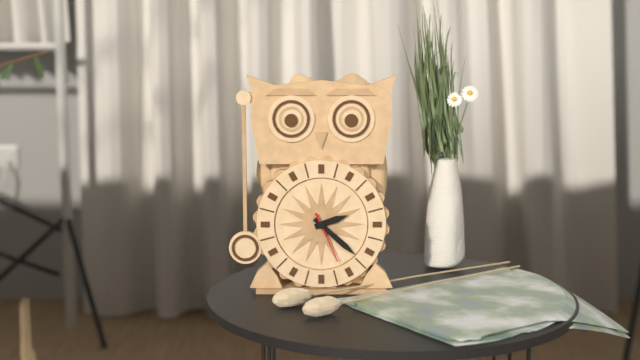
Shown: h=2 m=22 s=26
